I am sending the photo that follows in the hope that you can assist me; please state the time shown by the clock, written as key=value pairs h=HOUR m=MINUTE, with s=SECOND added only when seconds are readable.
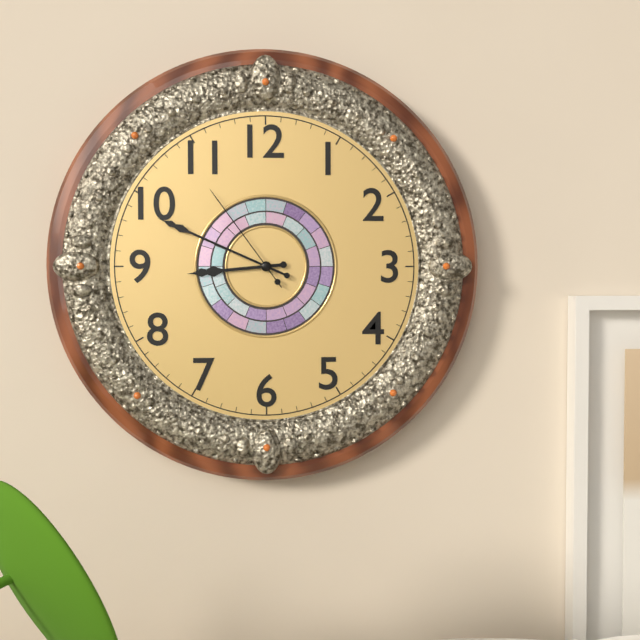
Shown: h=8 m=49 s=54
